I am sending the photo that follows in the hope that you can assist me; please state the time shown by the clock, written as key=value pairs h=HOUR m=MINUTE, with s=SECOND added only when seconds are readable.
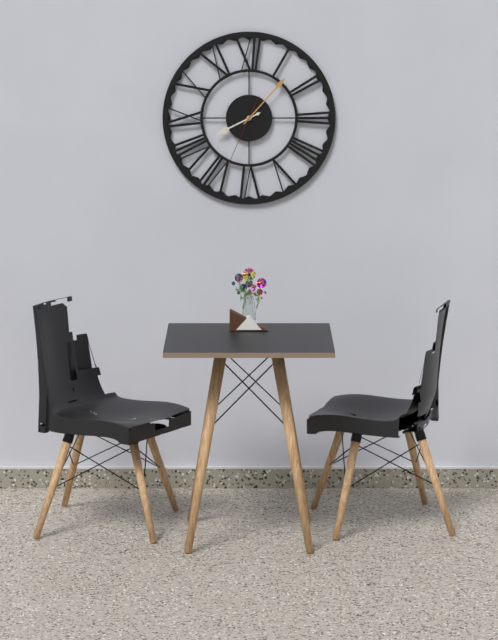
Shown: h=8 m=7 s=34
